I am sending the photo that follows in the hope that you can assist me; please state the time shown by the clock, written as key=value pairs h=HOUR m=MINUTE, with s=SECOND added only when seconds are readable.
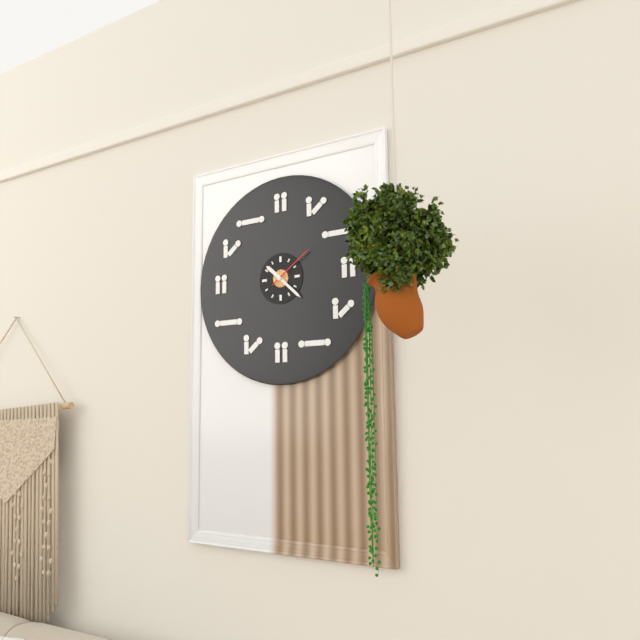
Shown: h=10 m=22 s=9
